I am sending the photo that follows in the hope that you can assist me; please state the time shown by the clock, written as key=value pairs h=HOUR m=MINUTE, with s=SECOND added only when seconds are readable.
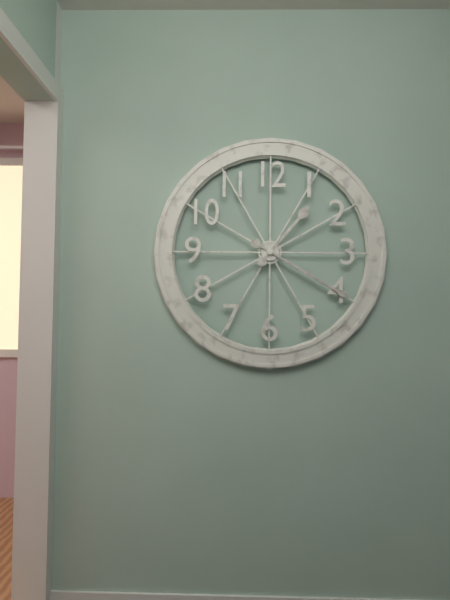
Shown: h=1 m=20
